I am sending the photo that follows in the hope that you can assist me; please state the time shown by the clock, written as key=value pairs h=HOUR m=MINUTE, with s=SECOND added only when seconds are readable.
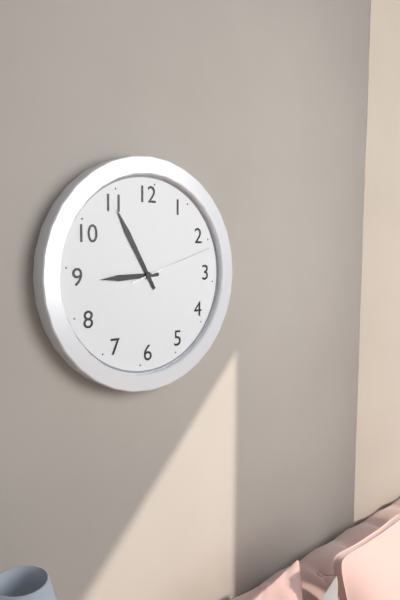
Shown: h=8 m=55 s=12
